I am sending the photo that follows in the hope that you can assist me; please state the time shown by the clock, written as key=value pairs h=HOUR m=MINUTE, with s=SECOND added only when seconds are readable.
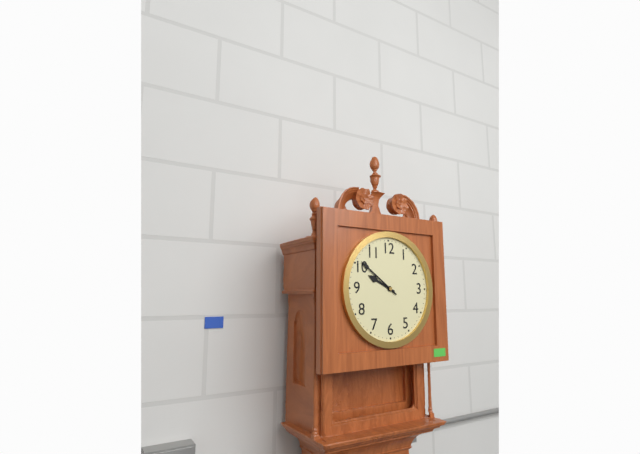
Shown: h=9 m=51
